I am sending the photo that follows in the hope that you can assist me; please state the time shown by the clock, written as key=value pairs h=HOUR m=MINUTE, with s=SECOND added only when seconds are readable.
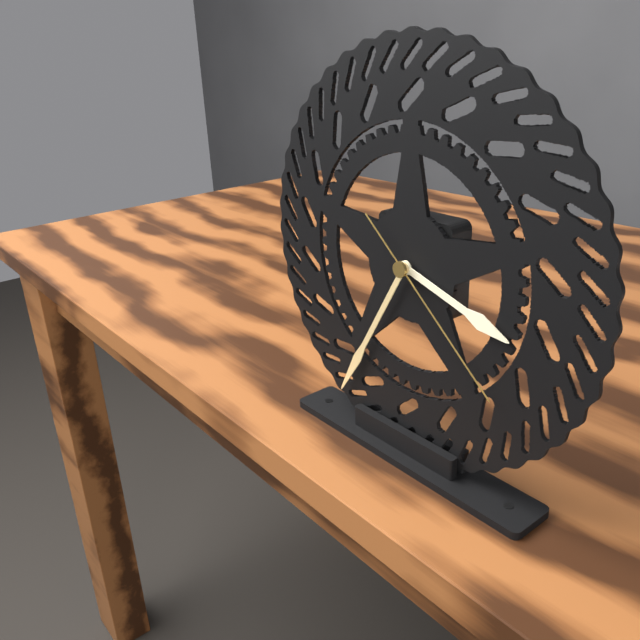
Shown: h=3 m=35 s=22
